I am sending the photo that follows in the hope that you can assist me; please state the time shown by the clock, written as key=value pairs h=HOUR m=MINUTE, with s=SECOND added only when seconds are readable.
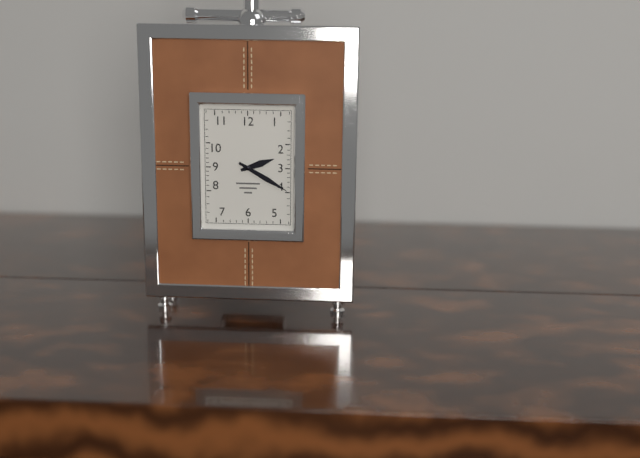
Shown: h=2 m=20
